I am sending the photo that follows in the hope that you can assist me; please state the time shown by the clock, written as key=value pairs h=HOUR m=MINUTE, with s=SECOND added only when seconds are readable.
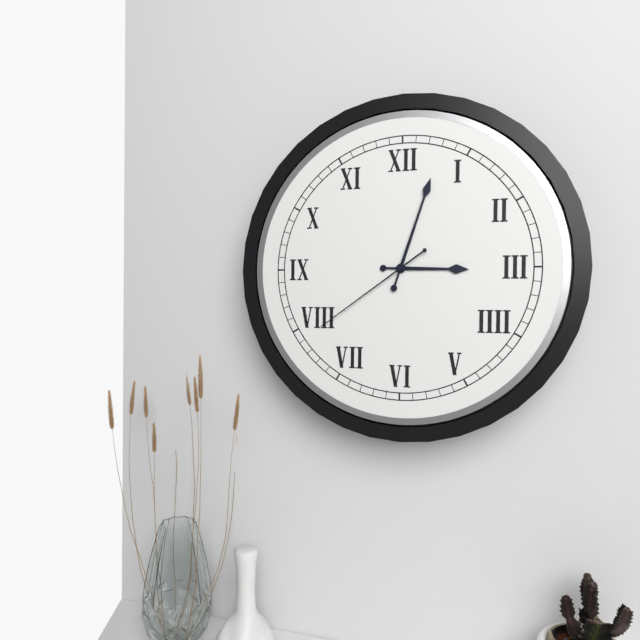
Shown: h=3 m=3 s=39
